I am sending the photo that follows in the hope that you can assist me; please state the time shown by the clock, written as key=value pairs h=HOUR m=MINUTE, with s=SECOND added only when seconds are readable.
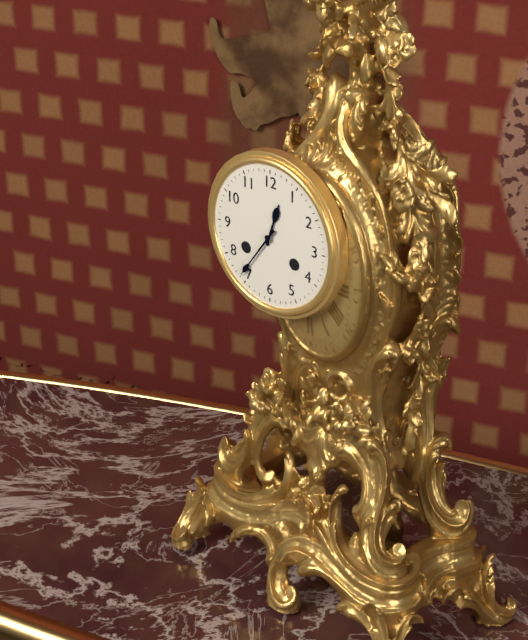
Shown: h=12 m=36
